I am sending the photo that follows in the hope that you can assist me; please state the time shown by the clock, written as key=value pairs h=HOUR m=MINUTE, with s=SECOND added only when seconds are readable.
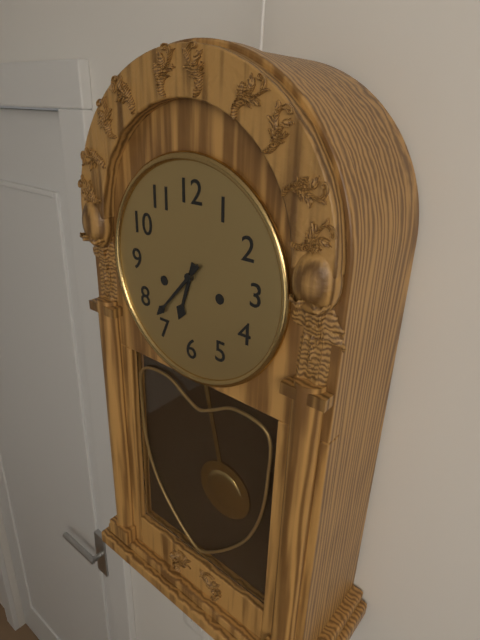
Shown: h=6 m=37
